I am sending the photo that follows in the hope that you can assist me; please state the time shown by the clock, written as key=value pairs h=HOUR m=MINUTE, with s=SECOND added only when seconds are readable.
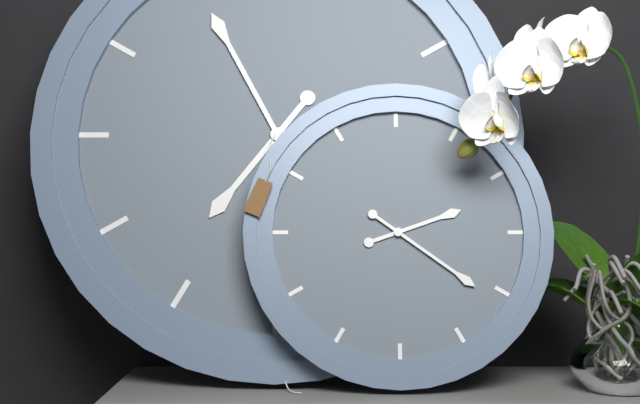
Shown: h=2 m=21
